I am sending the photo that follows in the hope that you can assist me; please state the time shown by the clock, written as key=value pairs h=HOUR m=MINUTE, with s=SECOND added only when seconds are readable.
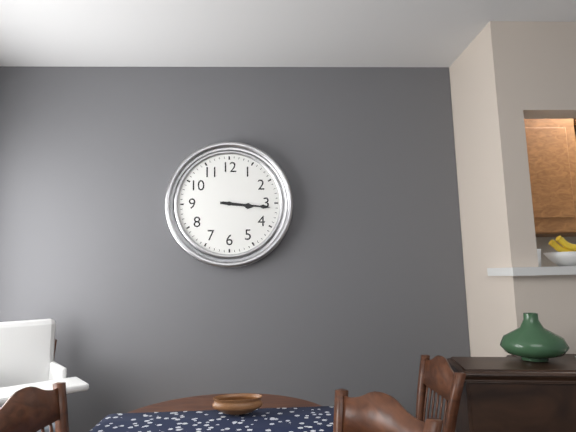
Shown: h=3 m=16
